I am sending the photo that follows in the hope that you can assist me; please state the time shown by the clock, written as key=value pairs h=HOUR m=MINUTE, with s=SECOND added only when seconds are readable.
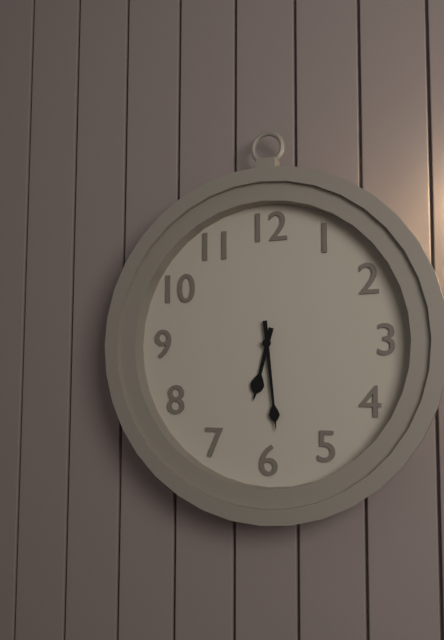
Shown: h=6 m=29
